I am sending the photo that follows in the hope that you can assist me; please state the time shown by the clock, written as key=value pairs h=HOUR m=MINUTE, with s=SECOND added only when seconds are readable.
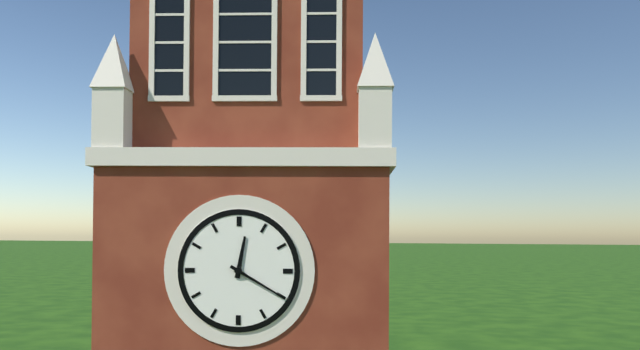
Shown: h=12 m=20
